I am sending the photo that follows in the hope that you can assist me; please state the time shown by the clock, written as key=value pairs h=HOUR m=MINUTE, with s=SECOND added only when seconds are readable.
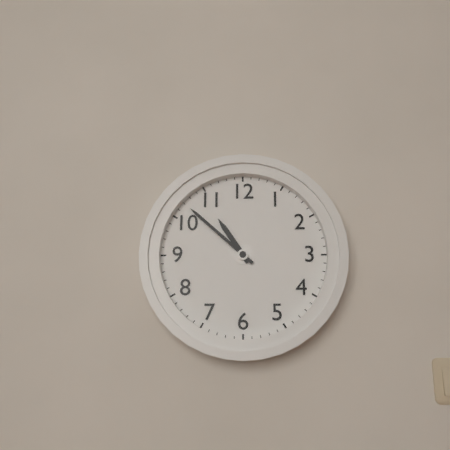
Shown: h=10 m=52
